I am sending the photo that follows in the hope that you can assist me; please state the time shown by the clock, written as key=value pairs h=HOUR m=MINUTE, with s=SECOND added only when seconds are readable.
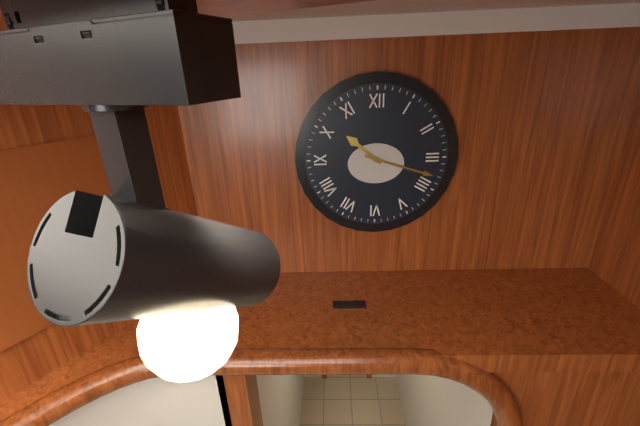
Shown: h=10 m=18
